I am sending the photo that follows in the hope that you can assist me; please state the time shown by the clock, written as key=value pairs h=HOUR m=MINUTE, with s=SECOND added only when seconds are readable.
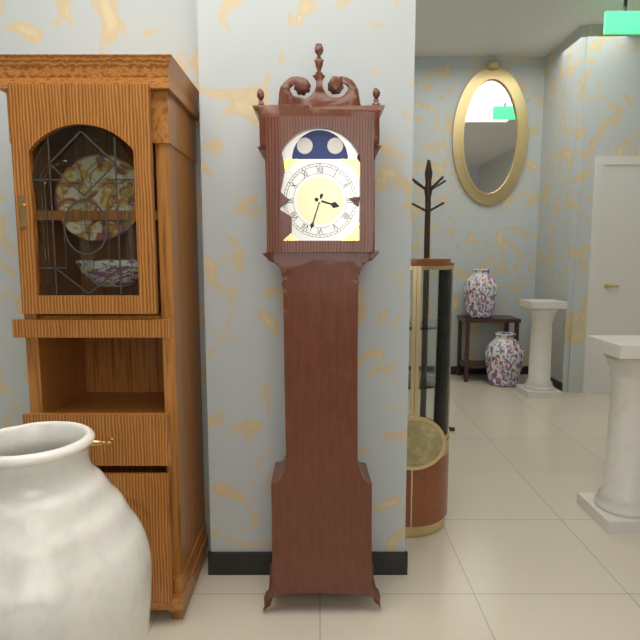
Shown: h=3 m=33
